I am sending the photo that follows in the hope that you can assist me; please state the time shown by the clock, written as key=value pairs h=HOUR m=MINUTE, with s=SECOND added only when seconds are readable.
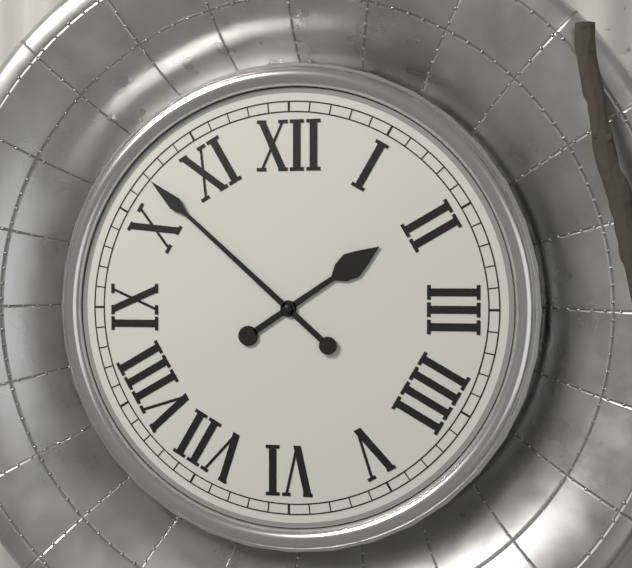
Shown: h=1 m=52
